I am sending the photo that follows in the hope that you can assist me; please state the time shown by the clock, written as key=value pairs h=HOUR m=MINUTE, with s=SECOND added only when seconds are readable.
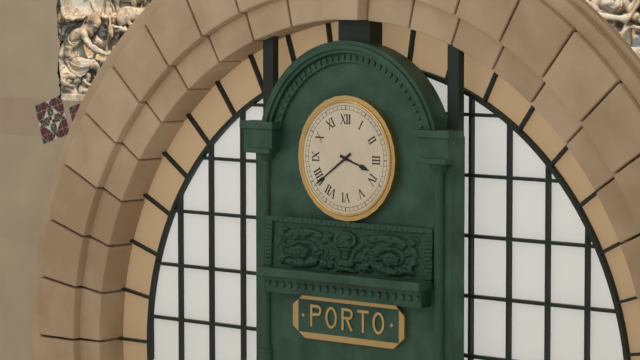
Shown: h=3 m=39
